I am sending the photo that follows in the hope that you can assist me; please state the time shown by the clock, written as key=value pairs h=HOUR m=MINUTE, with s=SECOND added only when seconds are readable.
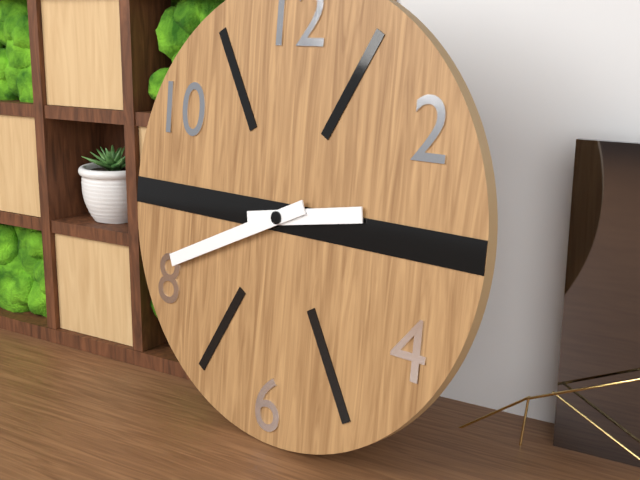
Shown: h=2 m=41
